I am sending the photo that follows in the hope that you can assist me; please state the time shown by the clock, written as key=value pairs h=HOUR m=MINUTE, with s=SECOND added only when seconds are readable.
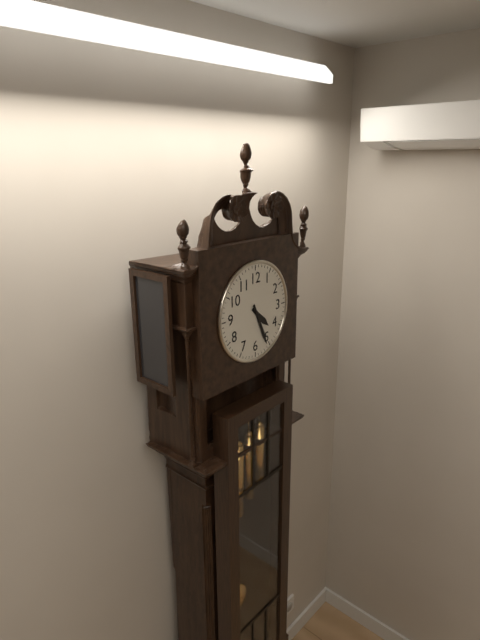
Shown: h=4 m=26
